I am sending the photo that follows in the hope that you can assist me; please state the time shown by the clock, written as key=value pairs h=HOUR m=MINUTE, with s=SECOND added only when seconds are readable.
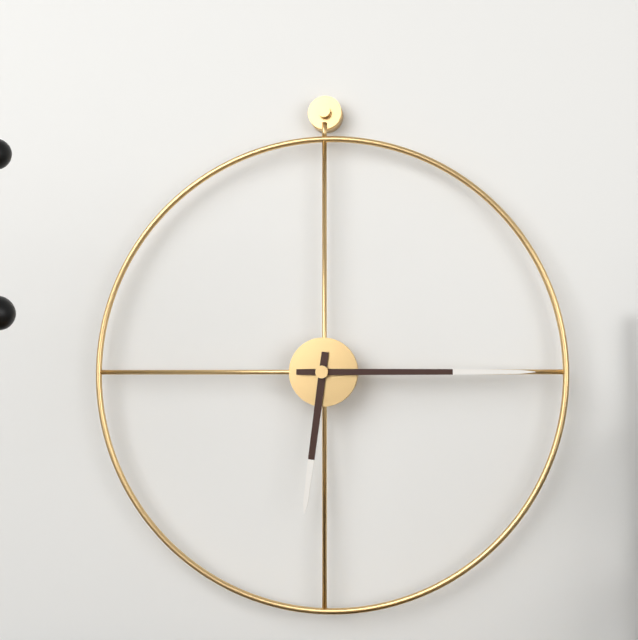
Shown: h=6 m=15
